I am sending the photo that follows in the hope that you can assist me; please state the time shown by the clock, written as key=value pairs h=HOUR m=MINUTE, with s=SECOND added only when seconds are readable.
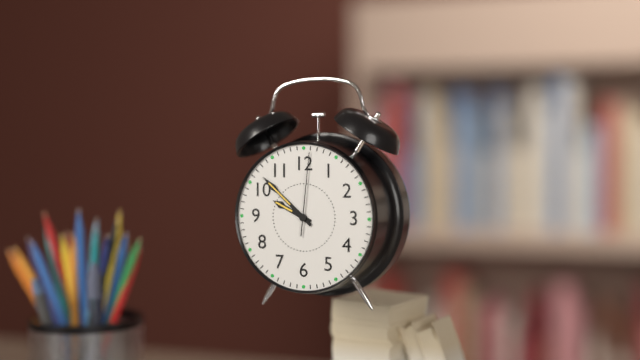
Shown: h=9 m=52 s=1
